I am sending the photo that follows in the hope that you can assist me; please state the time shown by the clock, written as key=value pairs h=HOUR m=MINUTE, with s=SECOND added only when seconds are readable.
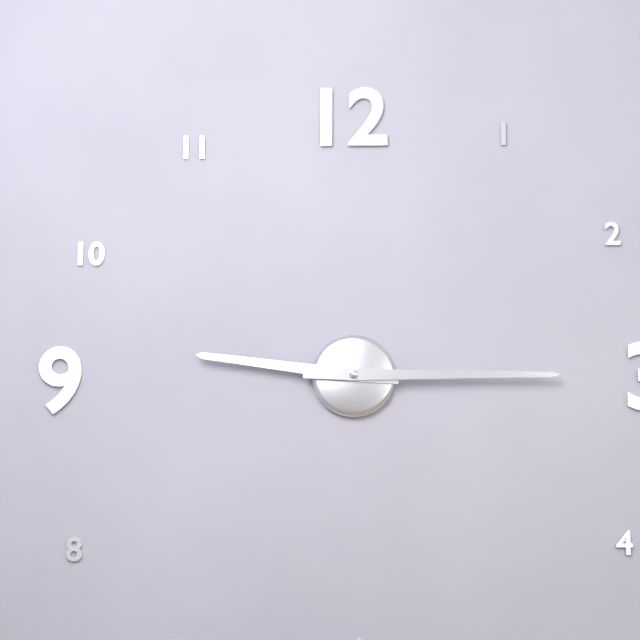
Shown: h=9 m=15
